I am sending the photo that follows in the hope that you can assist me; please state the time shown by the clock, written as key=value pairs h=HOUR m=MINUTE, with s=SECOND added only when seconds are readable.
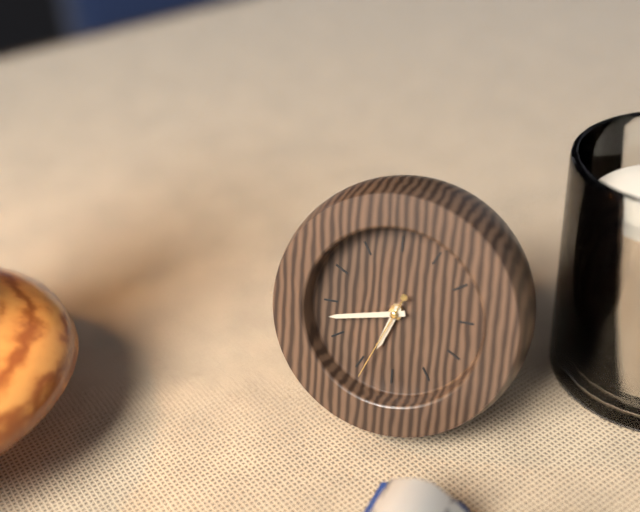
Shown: h=6 m=43 s=34
